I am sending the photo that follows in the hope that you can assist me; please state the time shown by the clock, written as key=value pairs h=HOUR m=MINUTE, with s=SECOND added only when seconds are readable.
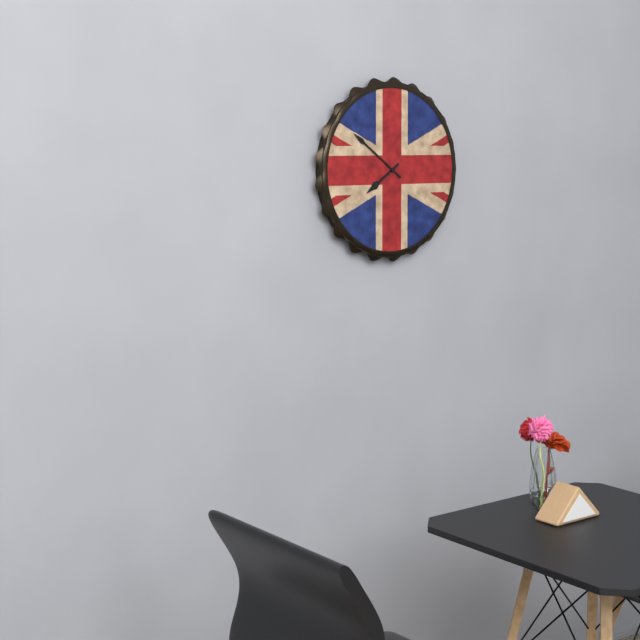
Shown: h=7 m=51
